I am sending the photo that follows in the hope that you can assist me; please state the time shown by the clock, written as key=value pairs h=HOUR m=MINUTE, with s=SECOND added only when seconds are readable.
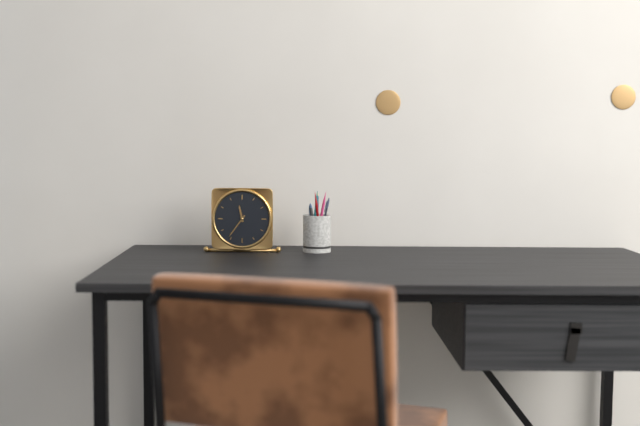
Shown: h=11 m=36
